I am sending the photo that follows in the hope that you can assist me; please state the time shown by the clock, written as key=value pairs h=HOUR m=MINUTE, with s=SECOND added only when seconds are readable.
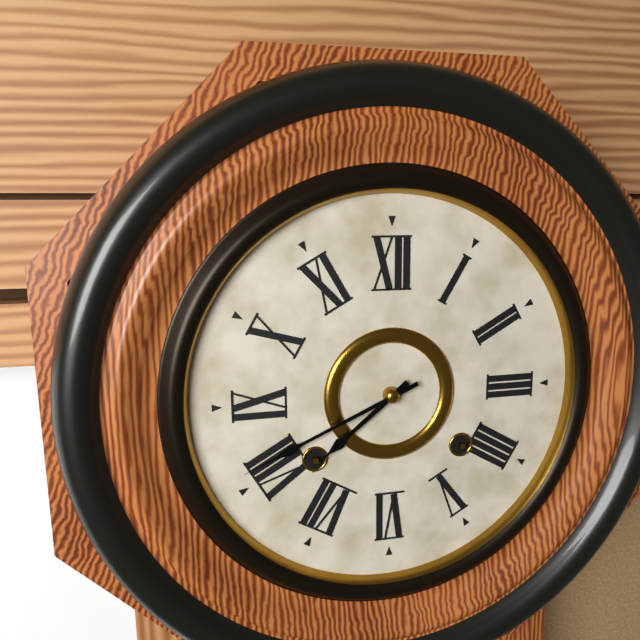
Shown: h=7 m=41
